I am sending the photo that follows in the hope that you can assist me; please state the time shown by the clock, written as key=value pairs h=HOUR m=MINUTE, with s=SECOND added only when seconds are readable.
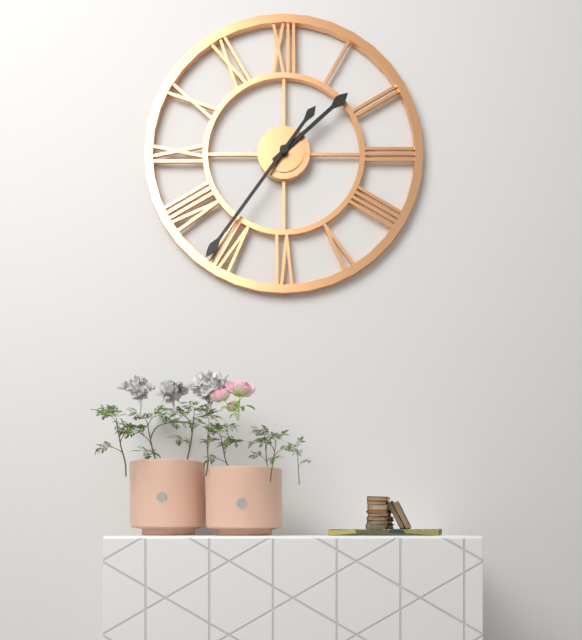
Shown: h=1 m=36
